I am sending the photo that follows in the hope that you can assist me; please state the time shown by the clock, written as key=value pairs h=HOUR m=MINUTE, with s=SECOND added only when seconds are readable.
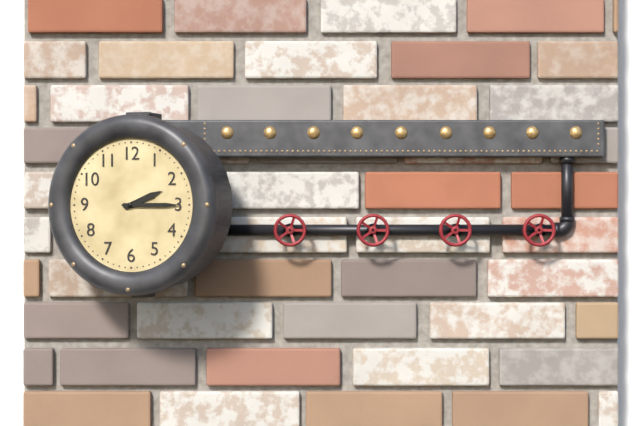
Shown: h=2 m=15
